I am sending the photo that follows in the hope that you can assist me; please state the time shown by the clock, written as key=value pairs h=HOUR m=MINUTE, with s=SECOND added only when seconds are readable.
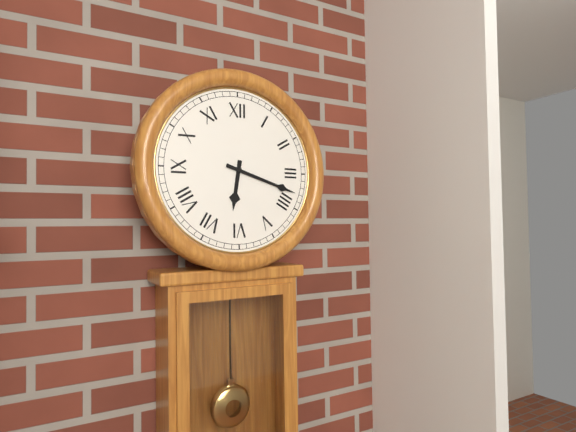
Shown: h=6 m=18
